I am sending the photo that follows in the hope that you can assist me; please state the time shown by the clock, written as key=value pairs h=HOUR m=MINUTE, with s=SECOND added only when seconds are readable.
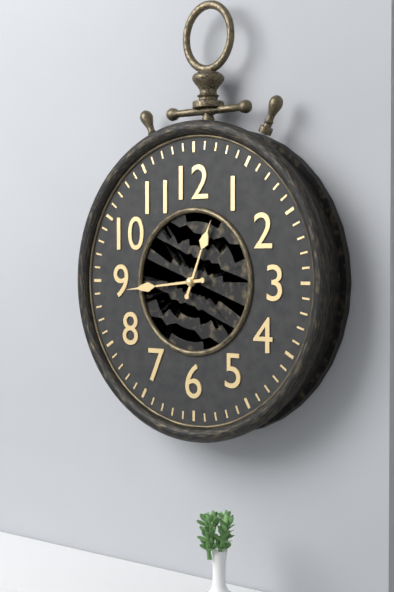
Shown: h=12 m=44
